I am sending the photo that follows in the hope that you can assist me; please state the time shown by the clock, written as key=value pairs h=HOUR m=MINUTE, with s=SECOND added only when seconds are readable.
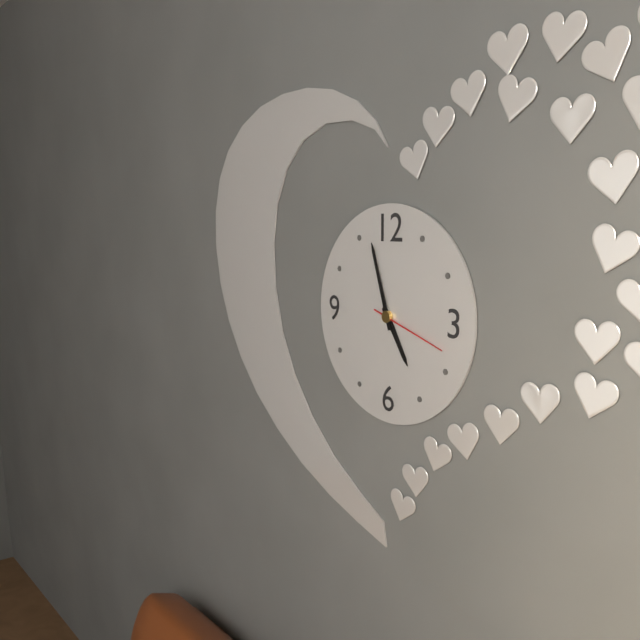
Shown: h=4 m=57 s=18
